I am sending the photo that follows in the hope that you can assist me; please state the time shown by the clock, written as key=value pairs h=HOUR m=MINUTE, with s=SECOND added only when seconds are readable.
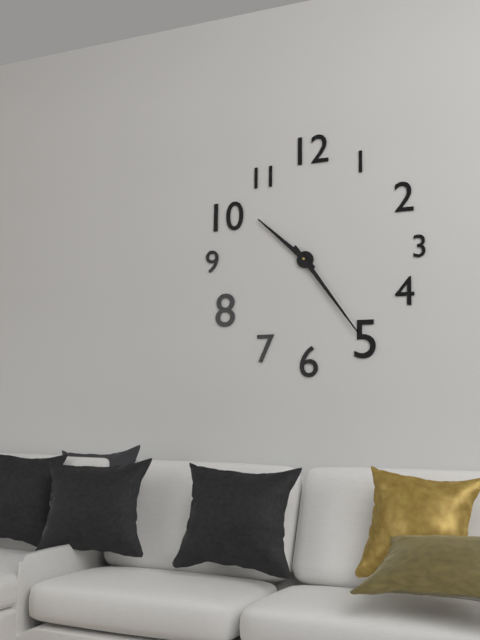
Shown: h=10 m=24
